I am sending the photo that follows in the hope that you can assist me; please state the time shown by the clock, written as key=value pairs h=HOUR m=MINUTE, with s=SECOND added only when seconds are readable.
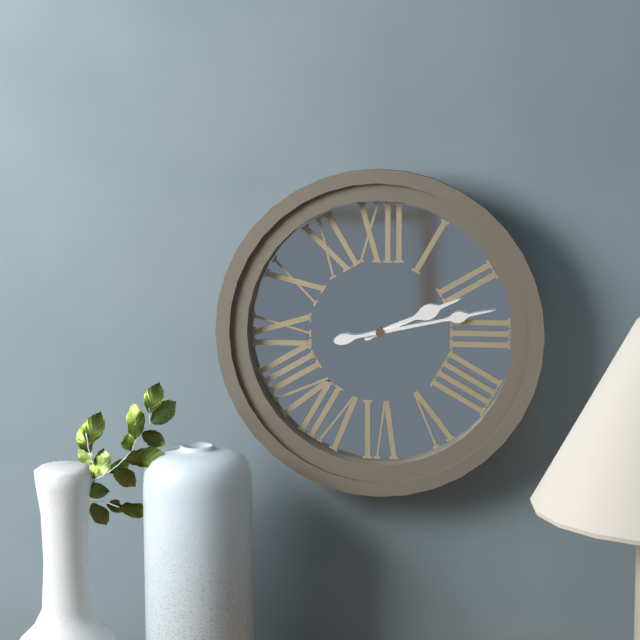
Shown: h=2 m=13
